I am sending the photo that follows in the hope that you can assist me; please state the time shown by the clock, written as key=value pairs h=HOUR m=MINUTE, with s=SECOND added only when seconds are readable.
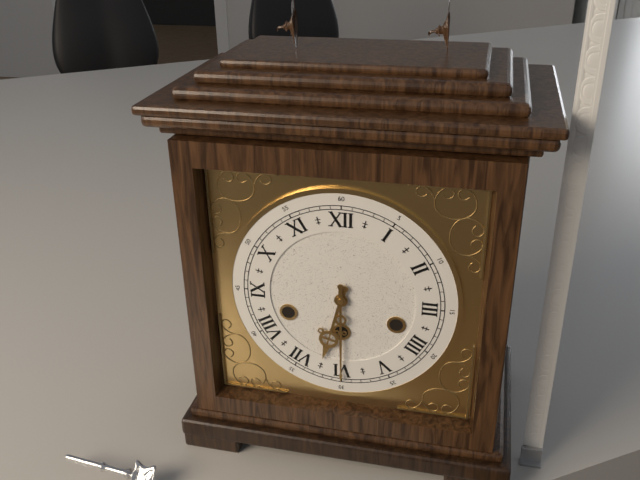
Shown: h=6 m=30
